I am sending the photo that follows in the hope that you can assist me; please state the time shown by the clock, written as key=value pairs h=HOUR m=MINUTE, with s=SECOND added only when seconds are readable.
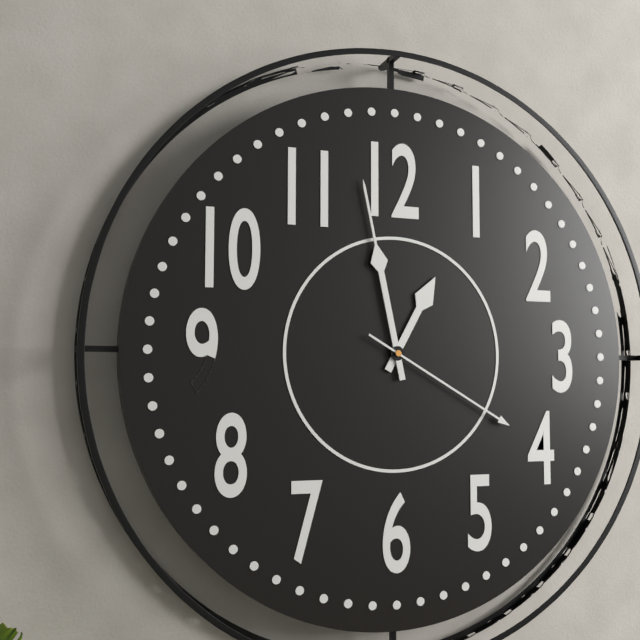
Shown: h=12 m=58 s=20
